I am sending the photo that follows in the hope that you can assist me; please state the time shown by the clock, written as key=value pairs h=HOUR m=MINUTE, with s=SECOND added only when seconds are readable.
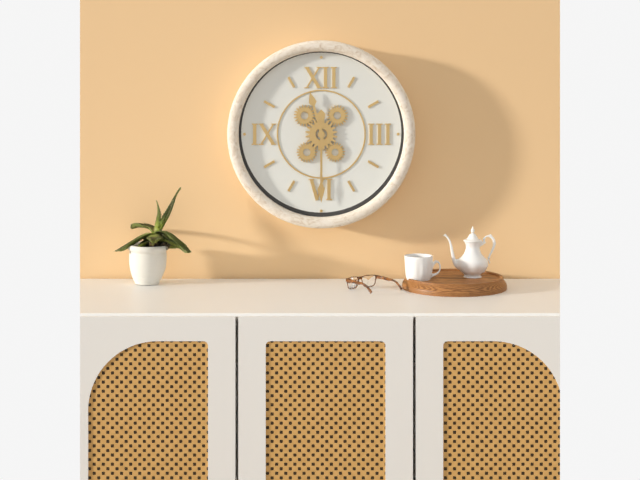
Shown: h=11 m=30
